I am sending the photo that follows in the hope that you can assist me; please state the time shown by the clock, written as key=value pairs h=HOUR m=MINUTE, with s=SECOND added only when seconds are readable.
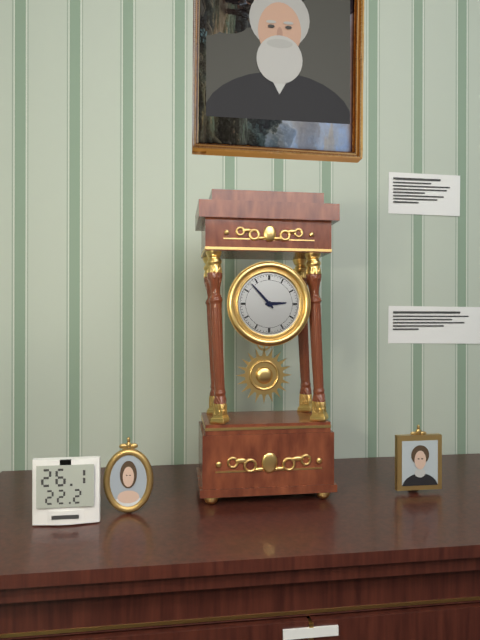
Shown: h=2 m=53
